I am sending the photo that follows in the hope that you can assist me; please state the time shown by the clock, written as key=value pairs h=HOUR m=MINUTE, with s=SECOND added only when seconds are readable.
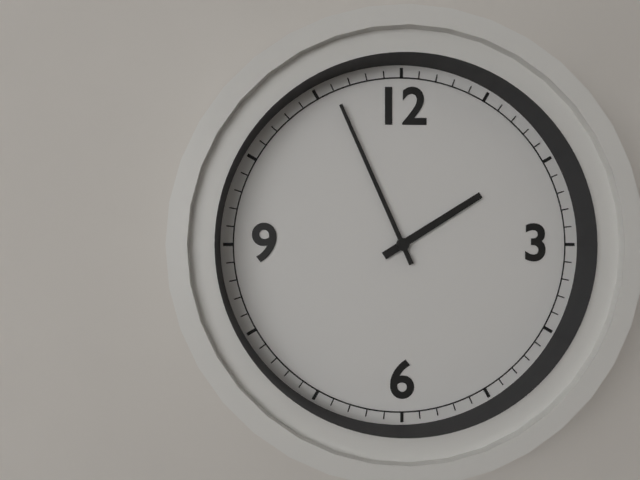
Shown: h=1 m=56
